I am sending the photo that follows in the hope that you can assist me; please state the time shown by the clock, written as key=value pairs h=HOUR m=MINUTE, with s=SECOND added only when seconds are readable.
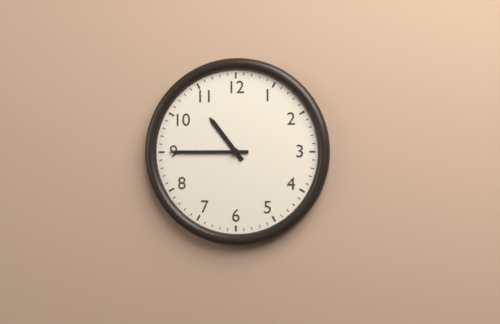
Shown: h=10 m=45
